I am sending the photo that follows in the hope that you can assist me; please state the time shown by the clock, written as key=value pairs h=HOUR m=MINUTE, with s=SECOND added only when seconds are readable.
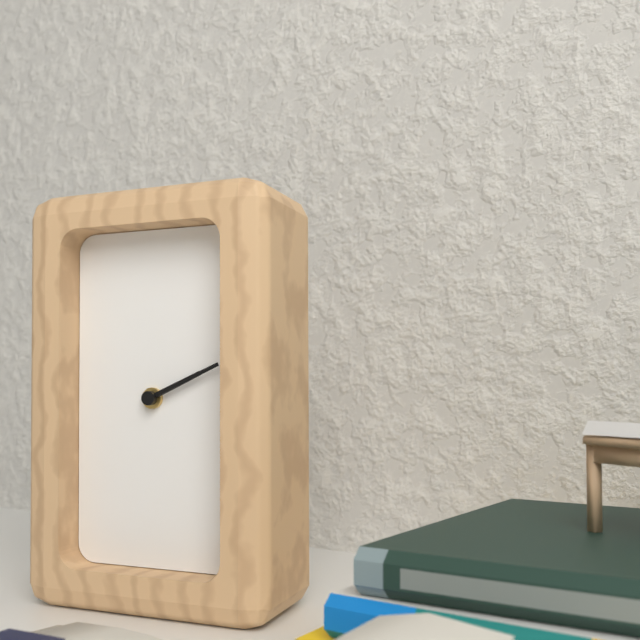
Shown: h=2 m=11
